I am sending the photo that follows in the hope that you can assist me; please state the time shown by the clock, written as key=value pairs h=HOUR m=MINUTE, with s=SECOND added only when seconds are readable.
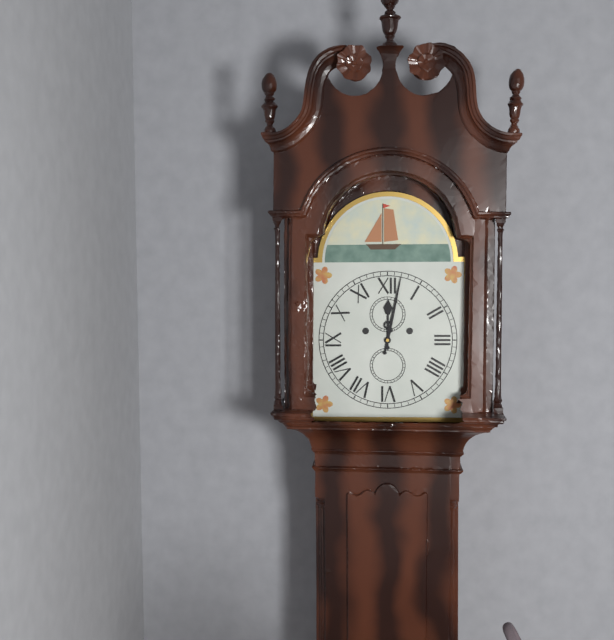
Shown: h=12 m=2
